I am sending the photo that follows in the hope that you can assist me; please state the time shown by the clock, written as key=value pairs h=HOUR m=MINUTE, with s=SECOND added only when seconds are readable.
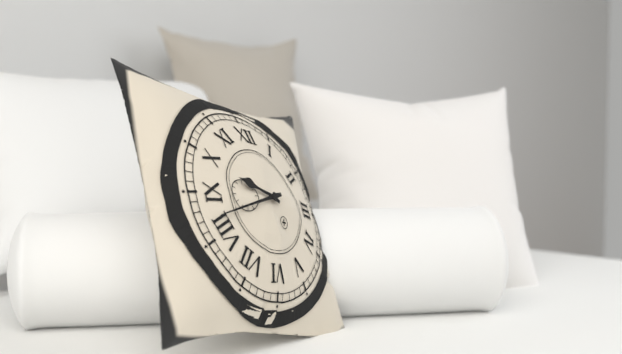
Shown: h=9 m=42
